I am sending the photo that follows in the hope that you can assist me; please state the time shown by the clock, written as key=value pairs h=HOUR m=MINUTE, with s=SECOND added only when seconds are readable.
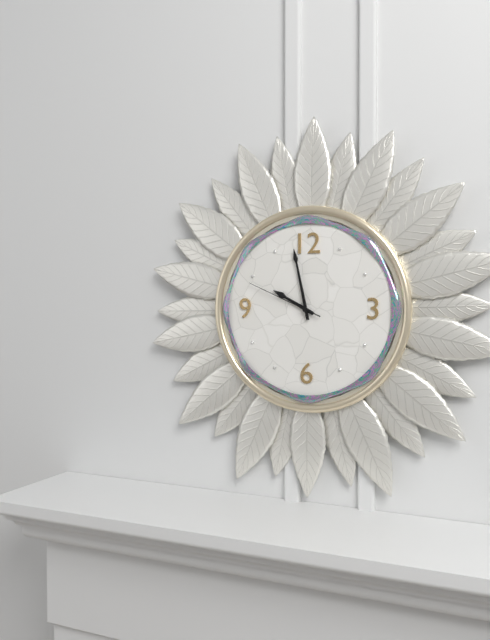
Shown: h=9 m=58 s=49
